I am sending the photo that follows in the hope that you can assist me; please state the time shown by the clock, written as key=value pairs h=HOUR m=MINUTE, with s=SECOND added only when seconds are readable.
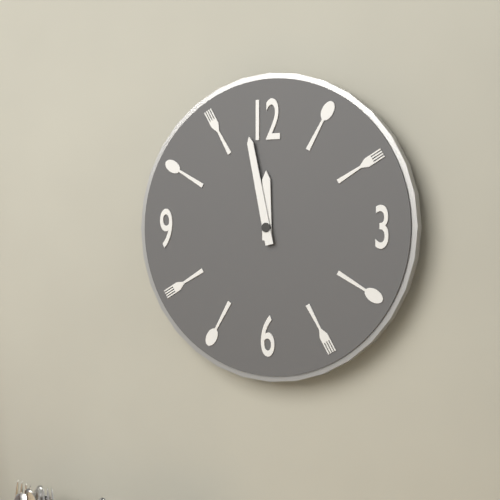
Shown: h=11 m=58
